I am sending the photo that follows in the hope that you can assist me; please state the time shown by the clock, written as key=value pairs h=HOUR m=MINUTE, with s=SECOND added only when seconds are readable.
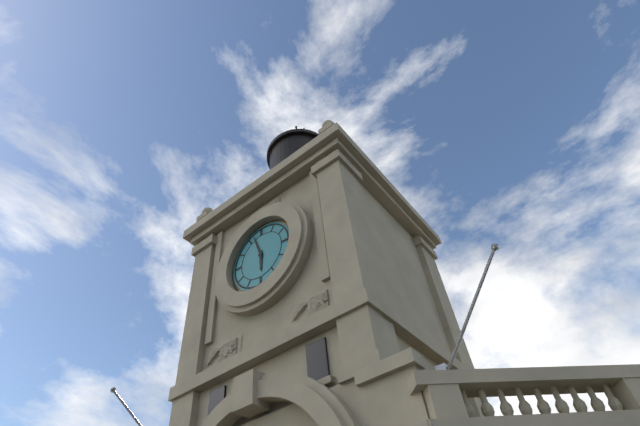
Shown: h=5 m=57
